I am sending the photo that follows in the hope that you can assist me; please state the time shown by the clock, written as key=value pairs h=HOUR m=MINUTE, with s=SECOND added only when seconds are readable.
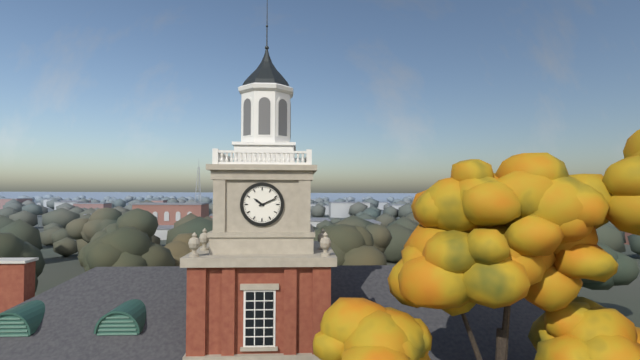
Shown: h=10 m=11
